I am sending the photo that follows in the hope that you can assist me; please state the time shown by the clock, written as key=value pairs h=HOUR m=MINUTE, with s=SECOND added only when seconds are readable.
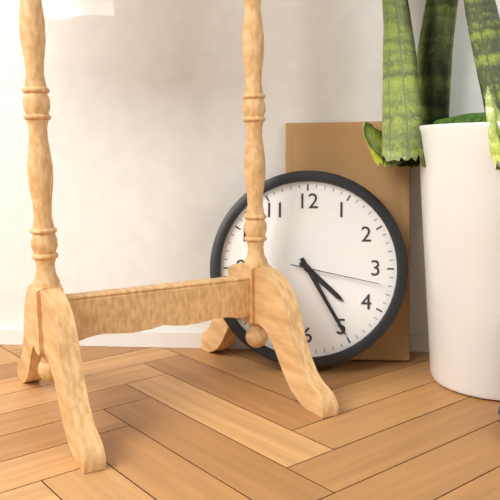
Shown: h=4 m=25 s=17
